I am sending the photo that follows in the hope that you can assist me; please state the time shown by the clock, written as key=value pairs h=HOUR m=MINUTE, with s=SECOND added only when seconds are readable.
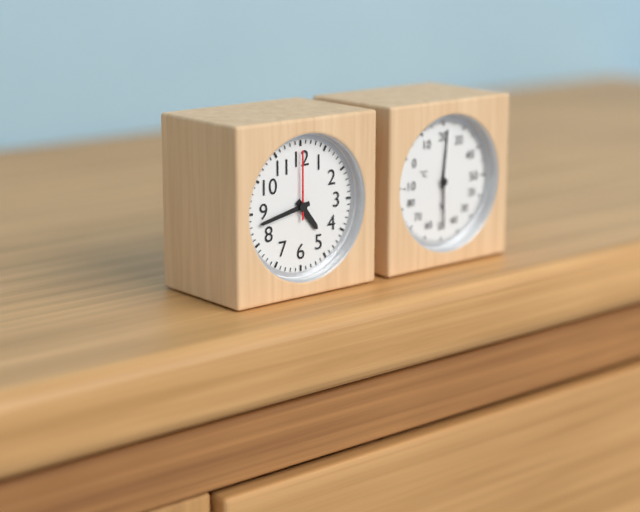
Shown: h=4 m=43 s=0
